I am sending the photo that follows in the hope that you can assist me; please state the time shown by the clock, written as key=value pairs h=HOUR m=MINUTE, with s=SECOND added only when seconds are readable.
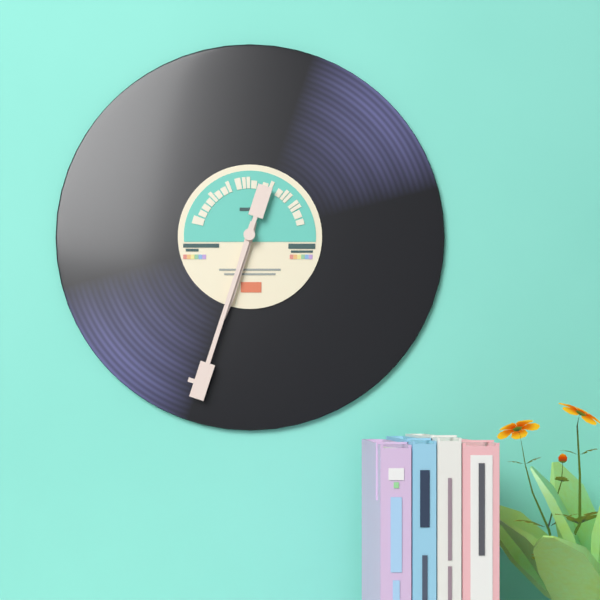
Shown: h=6 m=33
